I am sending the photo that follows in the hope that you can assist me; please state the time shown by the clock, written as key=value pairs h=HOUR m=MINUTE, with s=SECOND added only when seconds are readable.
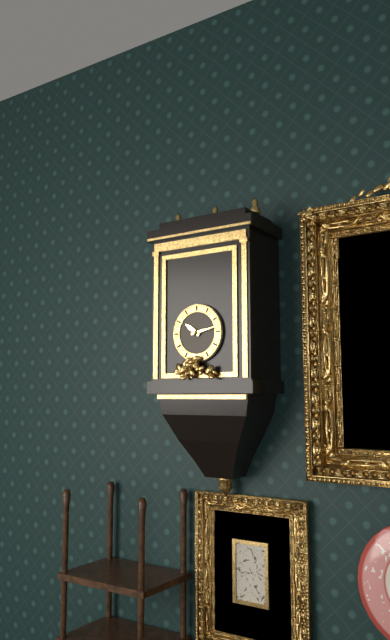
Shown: h=10 m=13
